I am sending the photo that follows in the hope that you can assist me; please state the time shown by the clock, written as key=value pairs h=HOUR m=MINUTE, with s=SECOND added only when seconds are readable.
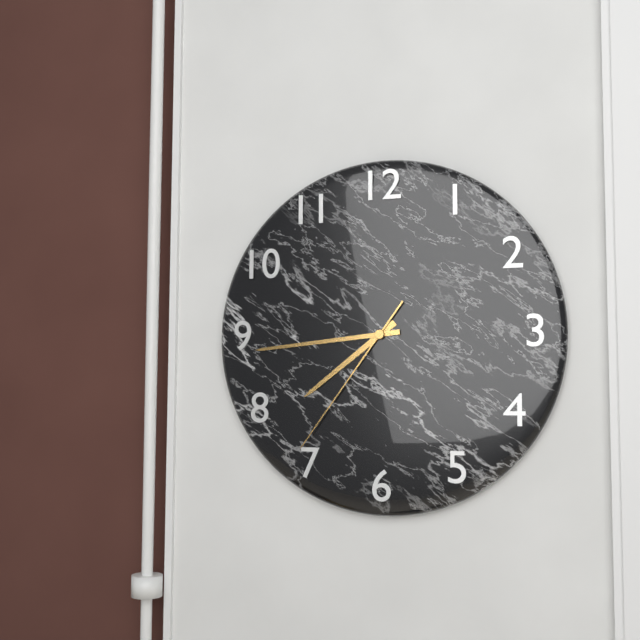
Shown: h=7 m=44 s=36
